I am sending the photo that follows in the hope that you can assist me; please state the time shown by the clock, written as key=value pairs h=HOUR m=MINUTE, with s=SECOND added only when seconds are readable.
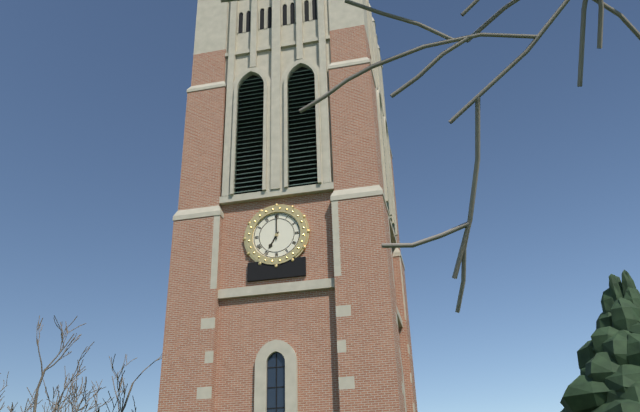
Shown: h=7 m=0
